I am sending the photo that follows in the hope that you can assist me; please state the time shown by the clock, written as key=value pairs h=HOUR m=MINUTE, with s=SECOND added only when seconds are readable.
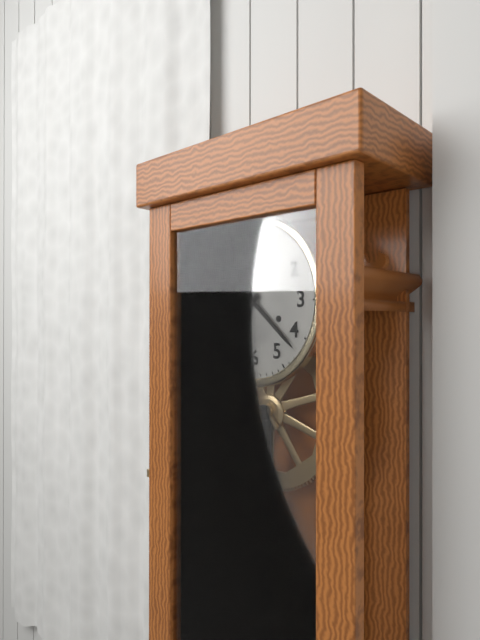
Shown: h=7 m=22
